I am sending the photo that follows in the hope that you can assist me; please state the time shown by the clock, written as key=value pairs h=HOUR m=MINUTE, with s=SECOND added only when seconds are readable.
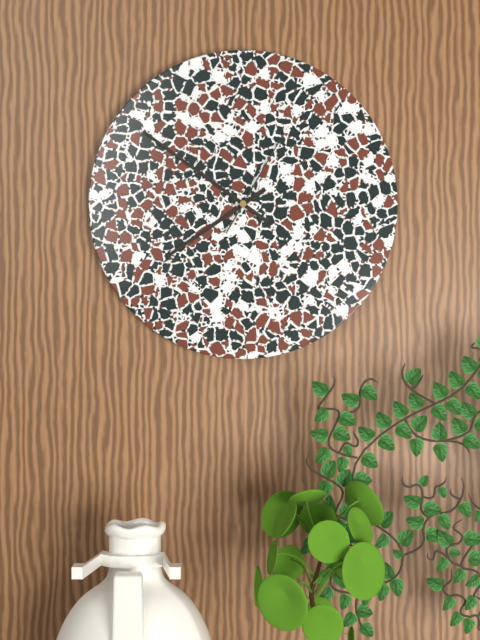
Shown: h=7 m=51 s=5
